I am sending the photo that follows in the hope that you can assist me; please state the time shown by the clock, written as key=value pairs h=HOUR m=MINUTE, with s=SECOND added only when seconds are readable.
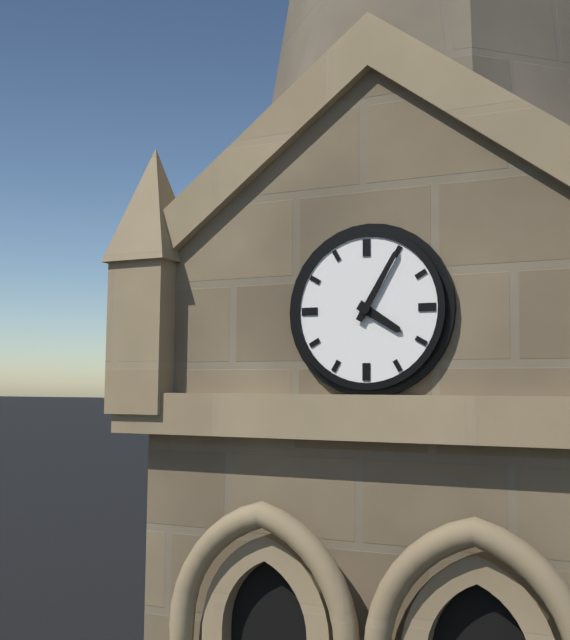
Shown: h=4 m=5
